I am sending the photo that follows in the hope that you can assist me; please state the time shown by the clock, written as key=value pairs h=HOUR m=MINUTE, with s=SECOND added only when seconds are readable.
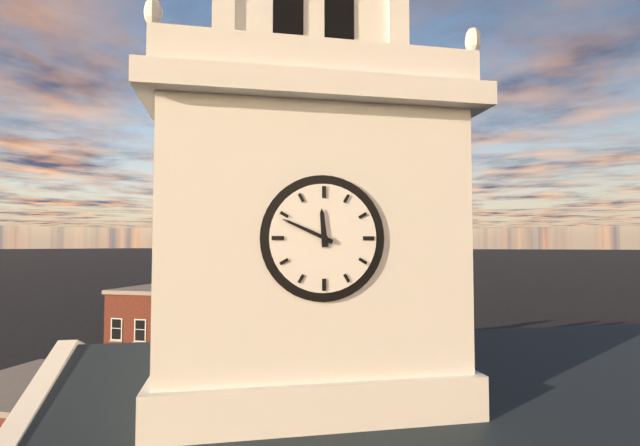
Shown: h=11 m=49
